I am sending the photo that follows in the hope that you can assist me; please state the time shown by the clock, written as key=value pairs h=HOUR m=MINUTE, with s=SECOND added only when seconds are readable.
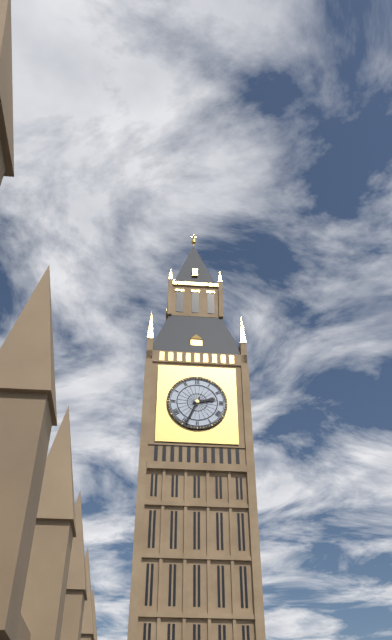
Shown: h=2 m=34
